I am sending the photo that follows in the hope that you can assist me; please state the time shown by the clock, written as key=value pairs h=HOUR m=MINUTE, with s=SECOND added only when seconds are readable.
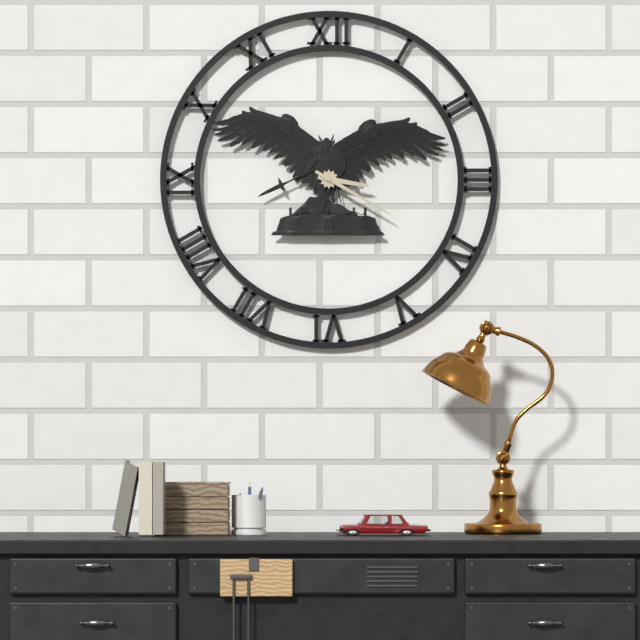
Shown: h=3 m=20
